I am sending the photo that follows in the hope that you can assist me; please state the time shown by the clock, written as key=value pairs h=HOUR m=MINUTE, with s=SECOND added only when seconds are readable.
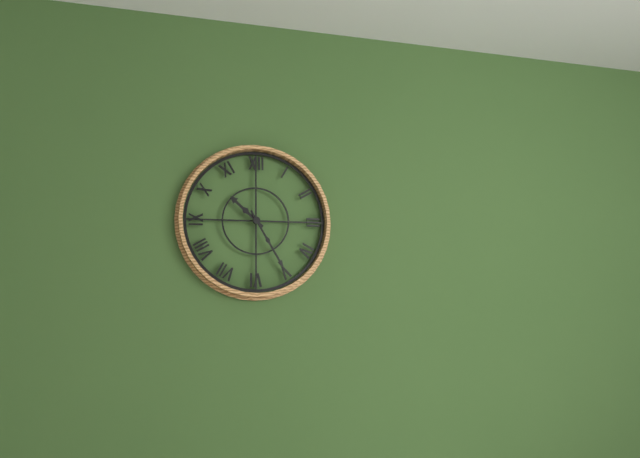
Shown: h=10 m=25
